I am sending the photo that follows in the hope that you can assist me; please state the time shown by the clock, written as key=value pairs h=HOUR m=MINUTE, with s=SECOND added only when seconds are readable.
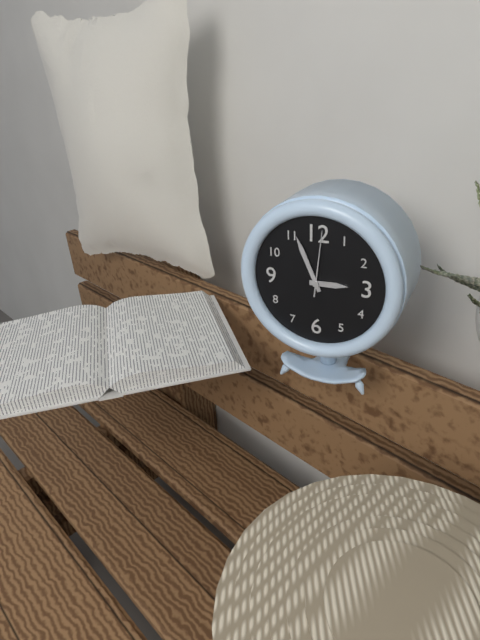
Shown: h=2 m=56 s=1
